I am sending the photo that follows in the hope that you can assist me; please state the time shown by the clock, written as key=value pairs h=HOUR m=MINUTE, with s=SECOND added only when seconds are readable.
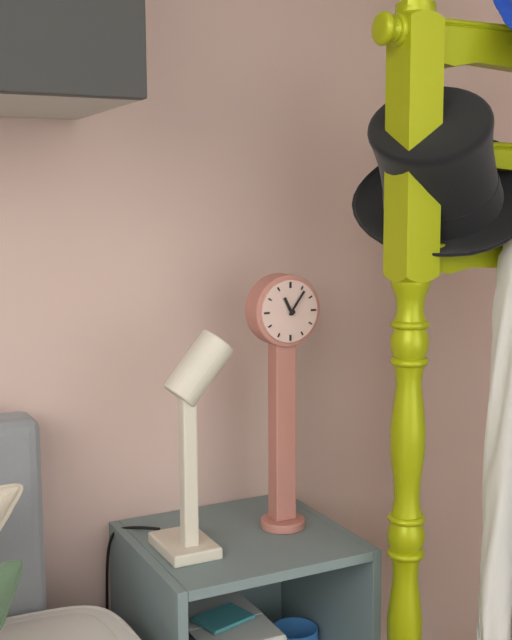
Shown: h=11 m=6
